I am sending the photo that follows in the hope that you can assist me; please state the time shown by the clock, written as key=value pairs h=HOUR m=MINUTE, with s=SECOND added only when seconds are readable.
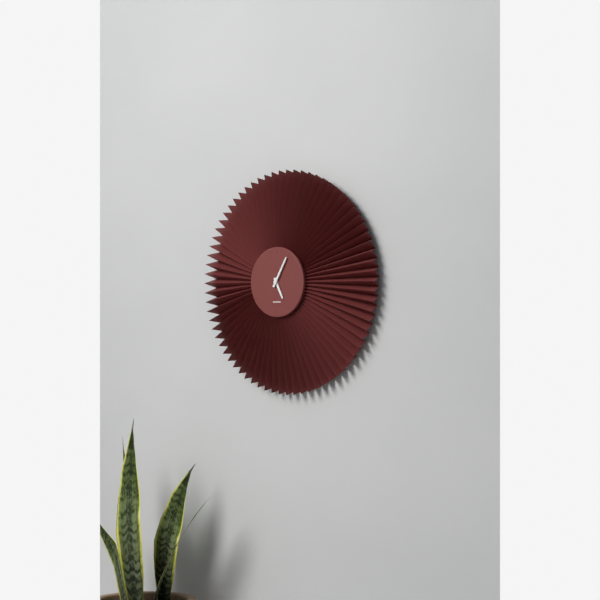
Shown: h=5 m=5
